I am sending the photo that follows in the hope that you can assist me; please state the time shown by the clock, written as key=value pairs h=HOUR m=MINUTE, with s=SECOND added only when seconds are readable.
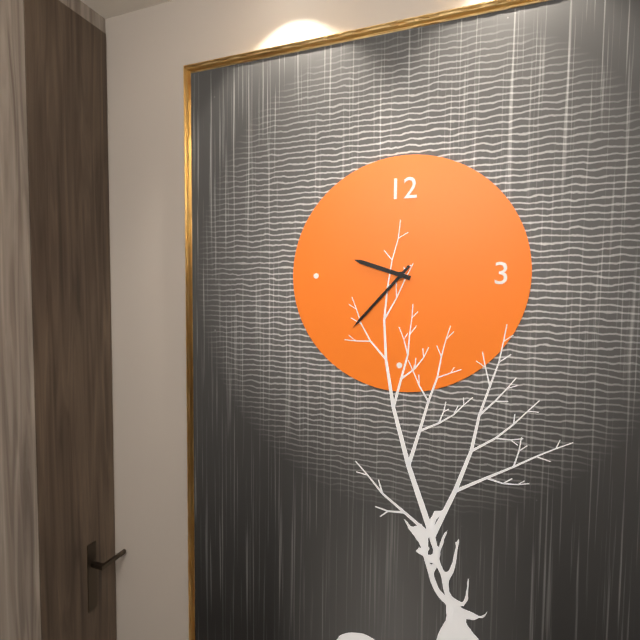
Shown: h=9 m=37
